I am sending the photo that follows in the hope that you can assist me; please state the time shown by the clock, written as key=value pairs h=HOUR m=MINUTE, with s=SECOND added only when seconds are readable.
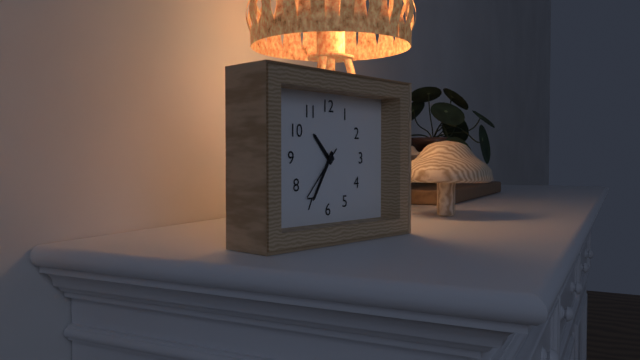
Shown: h=10 m=35 s=37
